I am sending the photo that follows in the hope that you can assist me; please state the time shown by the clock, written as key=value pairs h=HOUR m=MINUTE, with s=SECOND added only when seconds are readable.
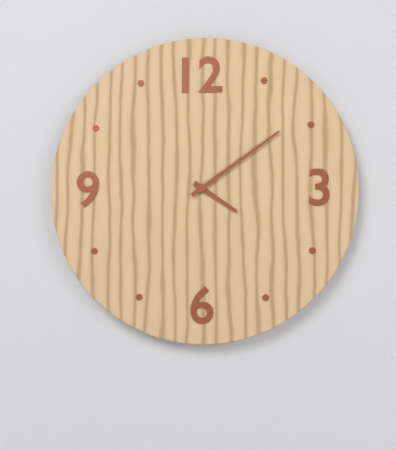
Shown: h=4 m=9
